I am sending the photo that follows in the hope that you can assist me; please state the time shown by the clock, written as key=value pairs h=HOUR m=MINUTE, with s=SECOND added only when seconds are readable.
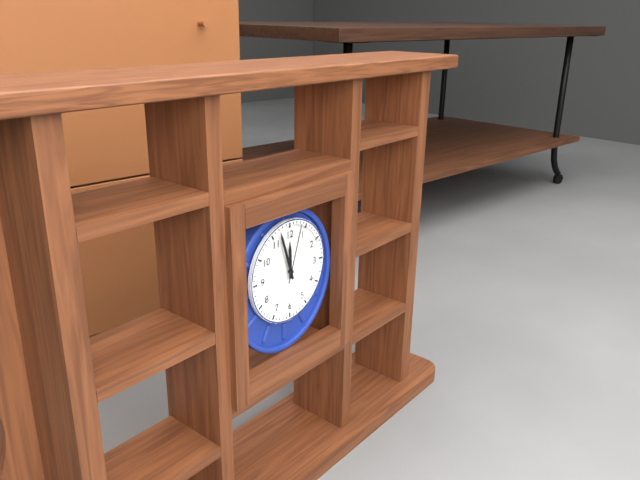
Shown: h=11 m=57 s=3
